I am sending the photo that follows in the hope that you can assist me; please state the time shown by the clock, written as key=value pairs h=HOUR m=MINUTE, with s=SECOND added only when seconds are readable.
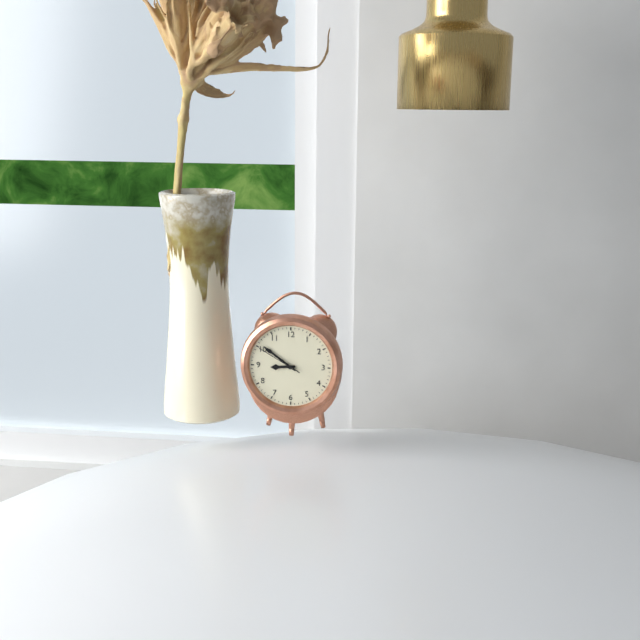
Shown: h=8 m=51
